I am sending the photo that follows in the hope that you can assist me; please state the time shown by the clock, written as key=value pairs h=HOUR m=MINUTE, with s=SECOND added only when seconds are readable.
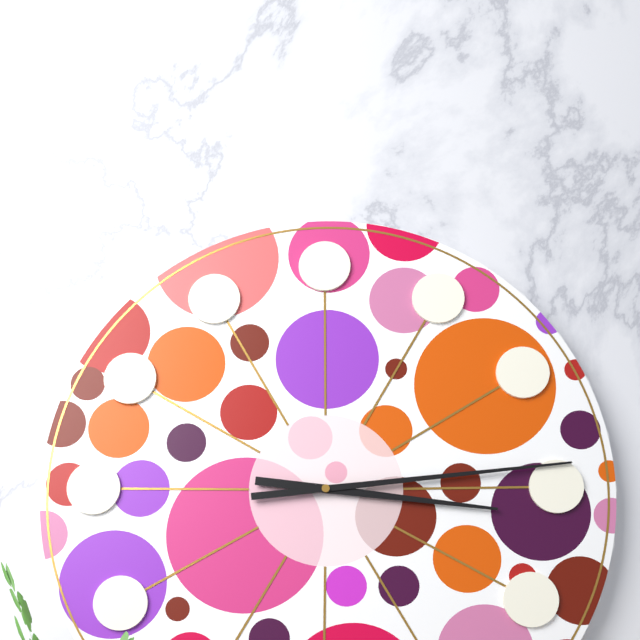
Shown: h=3 m=14
